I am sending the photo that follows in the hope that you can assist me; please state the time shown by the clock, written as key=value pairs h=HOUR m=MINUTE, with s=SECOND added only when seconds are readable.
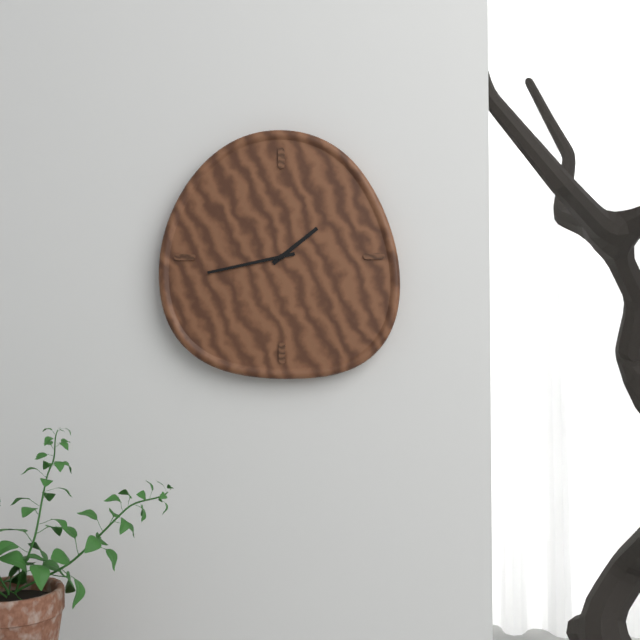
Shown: h=1 m=43
